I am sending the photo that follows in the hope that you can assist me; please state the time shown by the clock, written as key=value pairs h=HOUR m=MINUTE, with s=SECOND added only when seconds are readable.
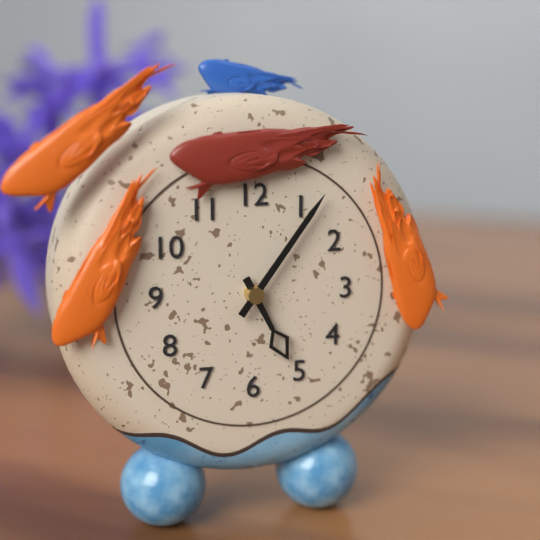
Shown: h=5 m=6
